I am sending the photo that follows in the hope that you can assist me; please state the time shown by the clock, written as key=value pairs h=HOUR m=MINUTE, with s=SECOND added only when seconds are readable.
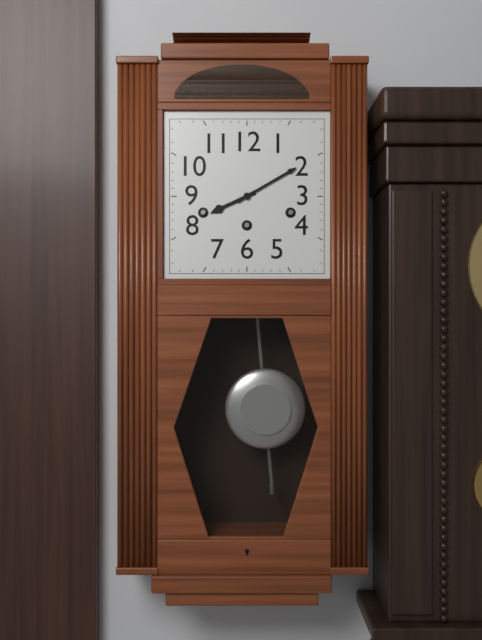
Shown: h=8 m=10
